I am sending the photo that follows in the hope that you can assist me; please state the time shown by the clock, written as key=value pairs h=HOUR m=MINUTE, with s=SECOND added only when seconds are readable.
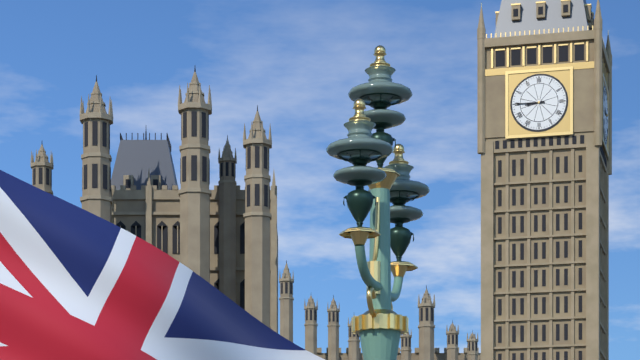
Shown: h=8 m=45
